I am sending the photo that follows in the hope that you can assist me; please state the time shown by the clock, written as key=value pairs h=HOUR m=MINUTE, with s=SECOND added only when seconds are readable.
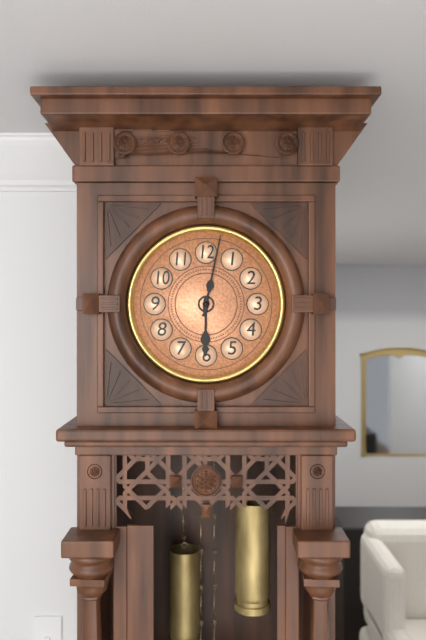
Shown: h=6 m=2
